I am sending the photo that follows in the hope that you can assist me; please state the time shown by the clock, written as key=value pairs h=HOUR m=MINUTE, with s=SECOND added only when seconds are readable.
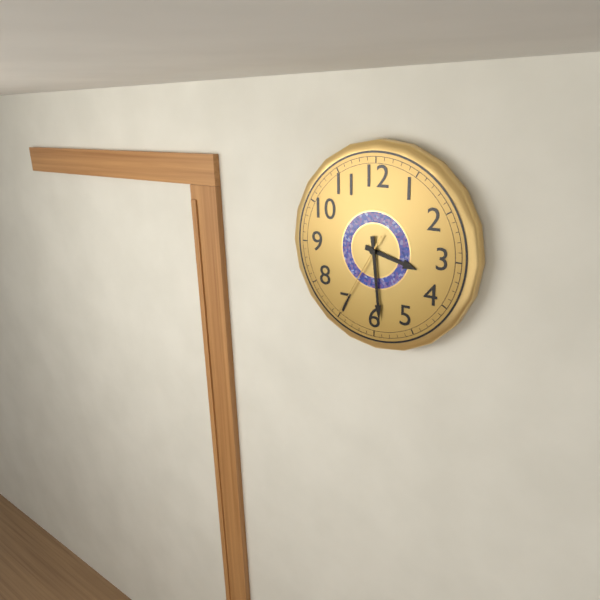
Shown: h=3 m=29 s=35
